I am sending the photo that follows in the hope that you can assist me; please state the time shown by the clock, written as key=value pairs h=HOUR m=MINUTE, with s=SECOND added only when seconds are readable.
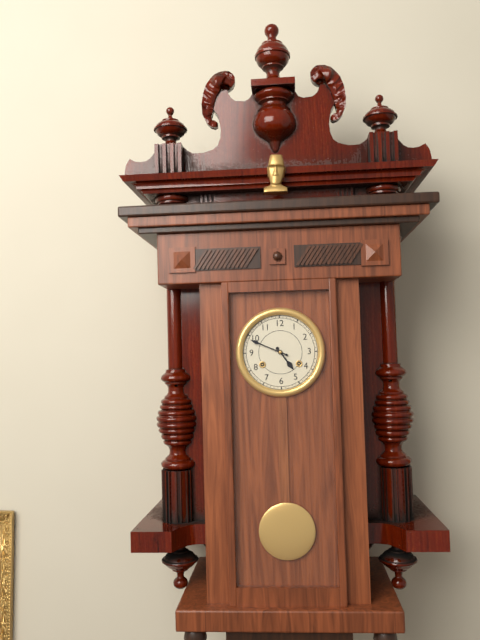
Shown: h=4 m=49
